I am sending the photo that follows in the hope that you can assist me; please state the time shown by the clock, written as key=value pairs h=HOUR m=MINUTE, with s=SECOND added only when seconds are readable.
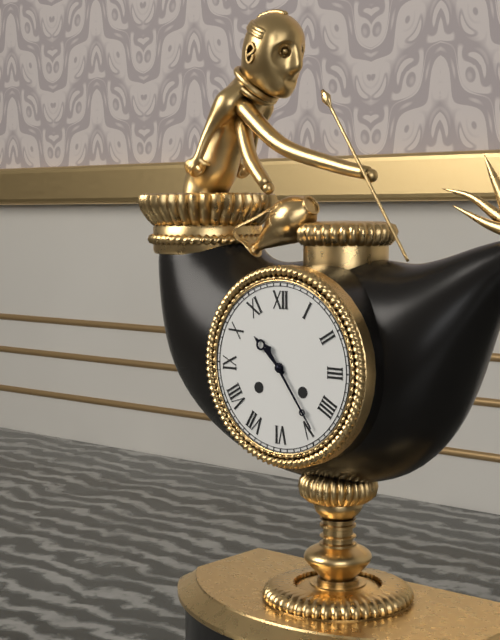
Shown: h=10 m=24
